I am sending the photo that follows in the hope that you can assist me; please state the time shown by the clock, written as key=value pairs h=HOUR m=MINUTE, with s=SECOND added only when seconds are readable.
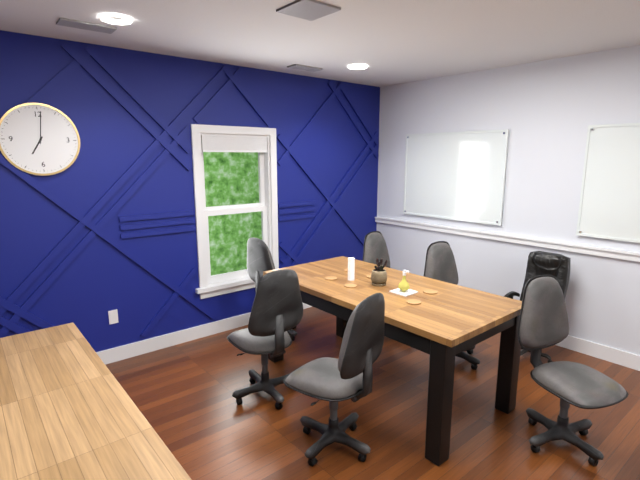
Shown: h=7 m=1
